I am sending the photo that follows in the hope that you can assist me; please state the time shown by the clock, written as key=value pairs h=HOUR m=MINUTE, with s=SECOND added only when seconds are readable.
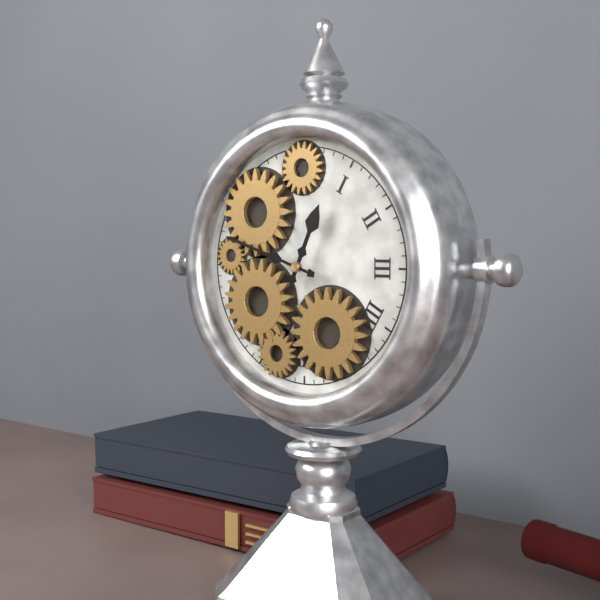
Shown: h=12 m=48
